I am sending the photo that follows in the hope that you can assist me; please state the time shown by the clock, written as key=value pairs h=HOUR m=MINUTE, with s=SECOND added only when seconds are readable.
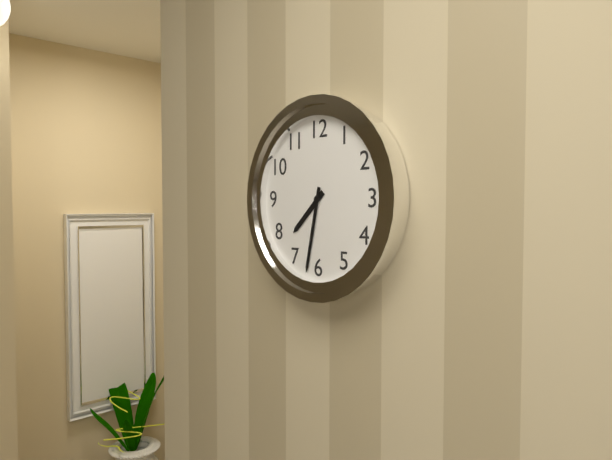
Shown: h=7 m=32
